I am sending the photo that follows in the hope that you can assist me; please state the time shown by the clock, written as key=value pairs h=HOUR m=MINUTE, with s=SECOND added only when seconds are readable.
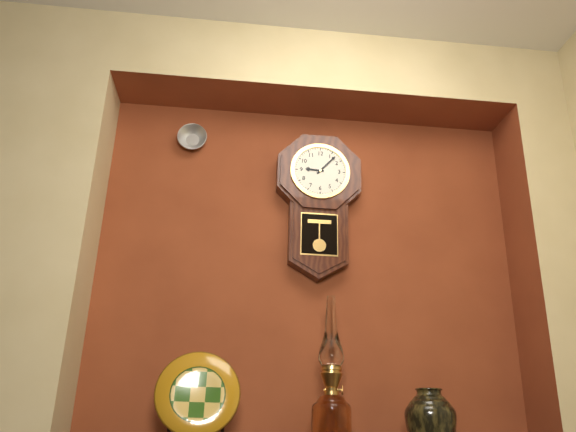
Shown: h=9 m=7
